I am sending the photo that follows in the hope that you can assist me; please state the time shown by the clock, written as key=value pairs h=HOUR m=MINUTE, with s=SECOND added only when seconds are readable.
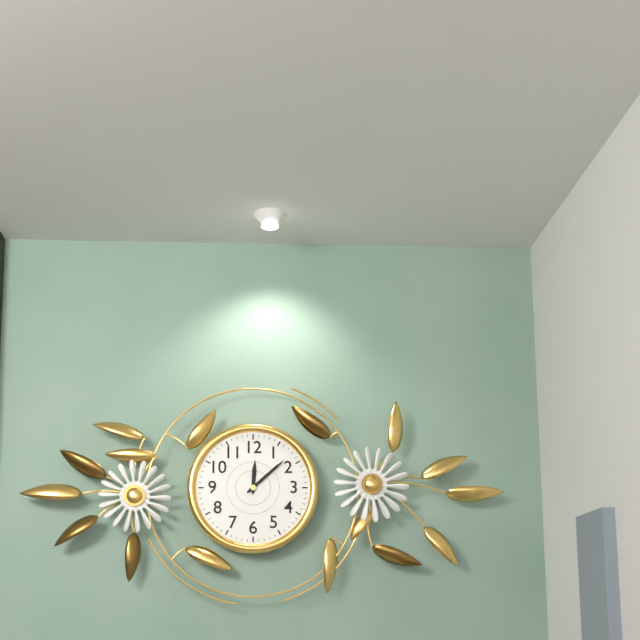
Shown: h=12 m=8
